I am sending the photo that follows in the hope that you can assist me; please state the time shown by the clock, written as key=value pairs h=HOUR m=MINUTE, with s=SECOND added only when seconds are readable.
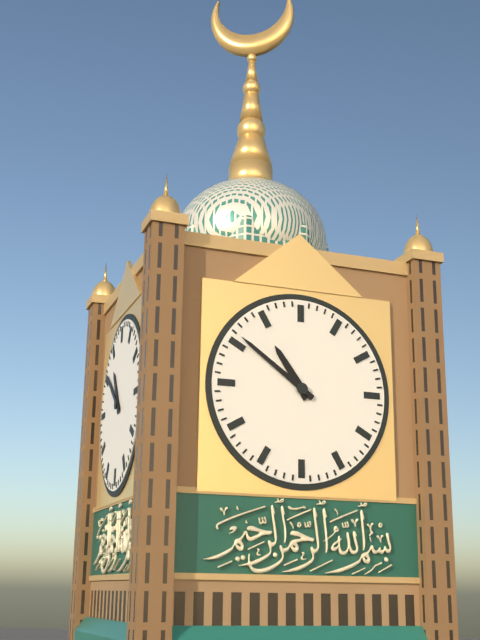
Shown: h=10 m=51
